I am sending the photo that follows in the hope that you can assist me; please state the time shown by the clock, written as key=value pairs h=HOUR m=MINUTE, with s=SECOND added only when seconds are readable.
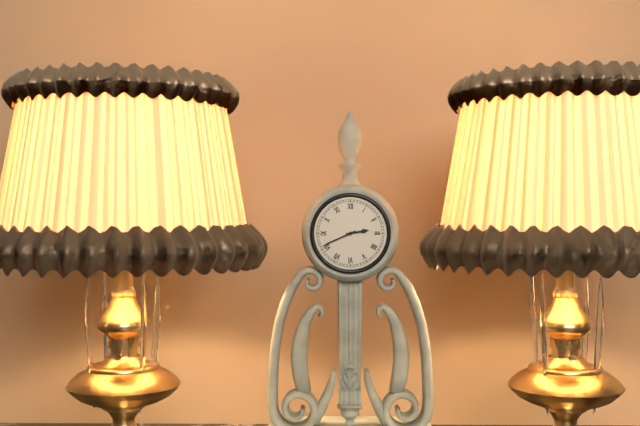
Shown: h=2 m=41
